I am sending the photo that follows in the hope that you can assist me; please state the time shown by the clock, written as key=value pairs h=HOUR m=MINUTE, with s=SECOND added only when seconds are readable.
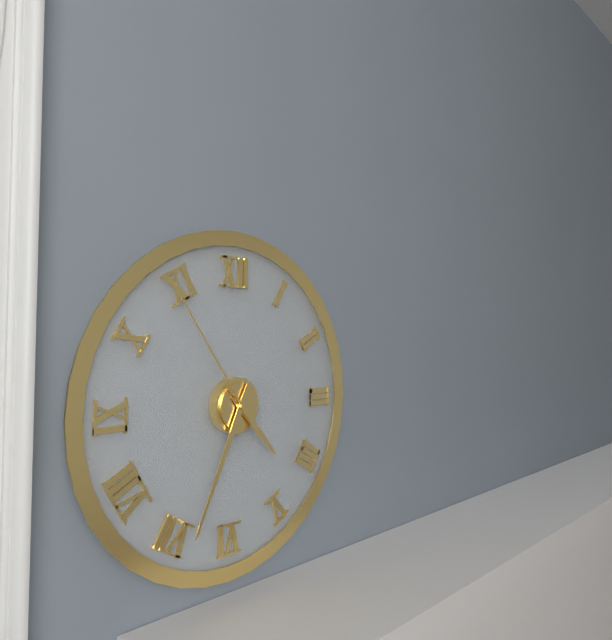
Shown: h=4 m=34 s=54
